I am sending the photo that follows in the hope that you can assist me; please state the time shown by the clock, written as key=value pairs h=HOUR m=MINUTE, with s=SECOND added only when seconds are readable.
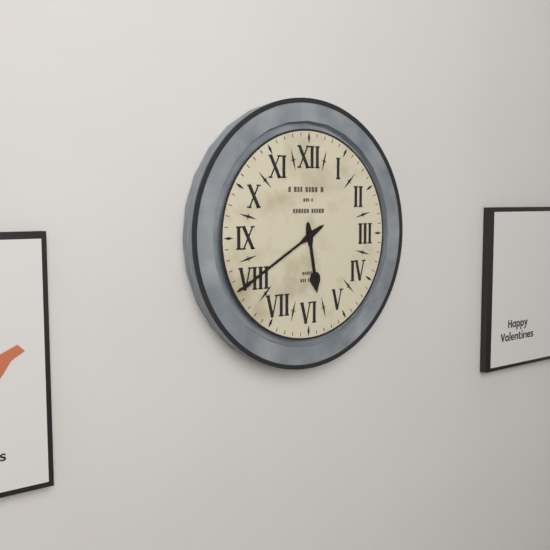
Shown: h=5 m=40
